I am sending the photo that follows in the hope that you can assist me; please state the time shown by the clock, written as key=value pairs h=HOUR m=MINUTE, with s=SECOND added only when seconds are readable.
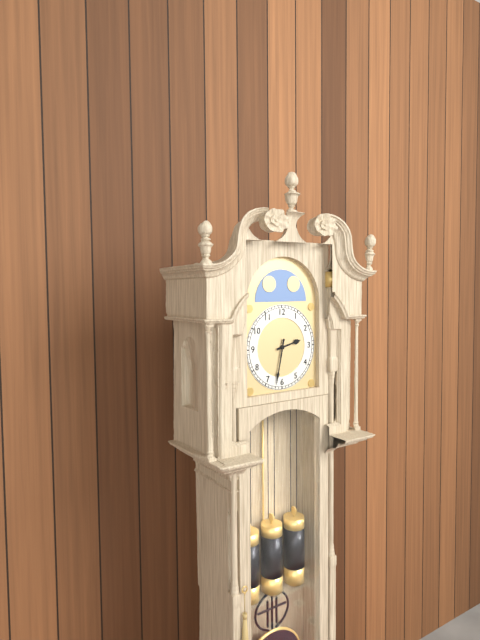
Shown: h=2 m=32
